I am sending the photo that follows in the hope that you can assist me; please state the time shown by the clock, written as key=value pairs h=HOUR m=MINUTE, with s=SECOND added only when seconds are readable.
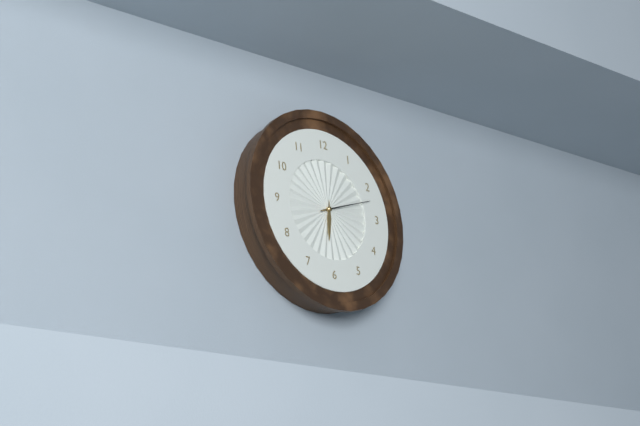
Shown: h=6 m=12
